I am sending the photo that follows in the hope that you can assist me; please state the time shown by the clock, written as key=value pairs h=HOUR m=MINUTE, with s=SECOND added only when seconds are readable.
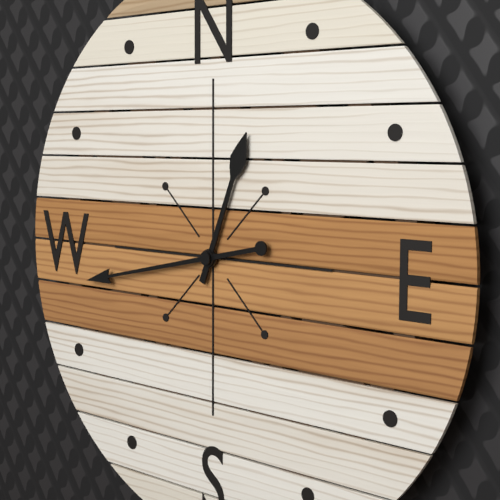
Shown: h=12 m=43
